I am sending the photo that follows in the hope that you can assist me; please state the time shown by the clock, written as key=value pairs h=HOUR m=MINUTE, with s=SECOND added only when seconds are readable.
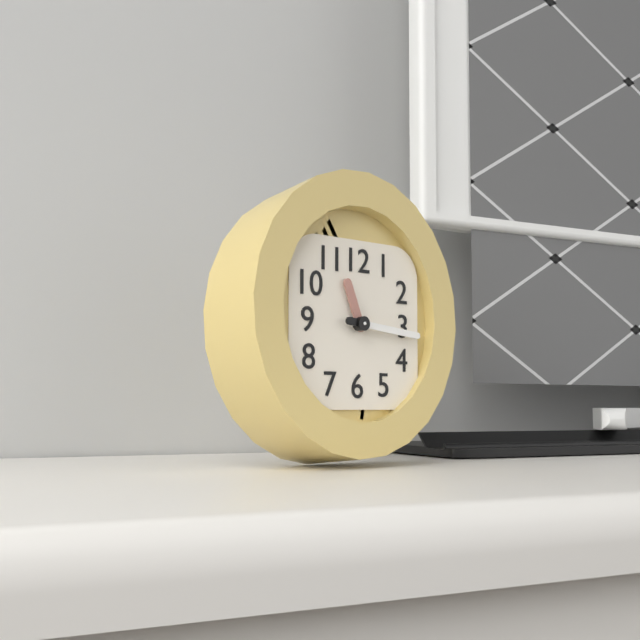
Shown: h=11 m=16
